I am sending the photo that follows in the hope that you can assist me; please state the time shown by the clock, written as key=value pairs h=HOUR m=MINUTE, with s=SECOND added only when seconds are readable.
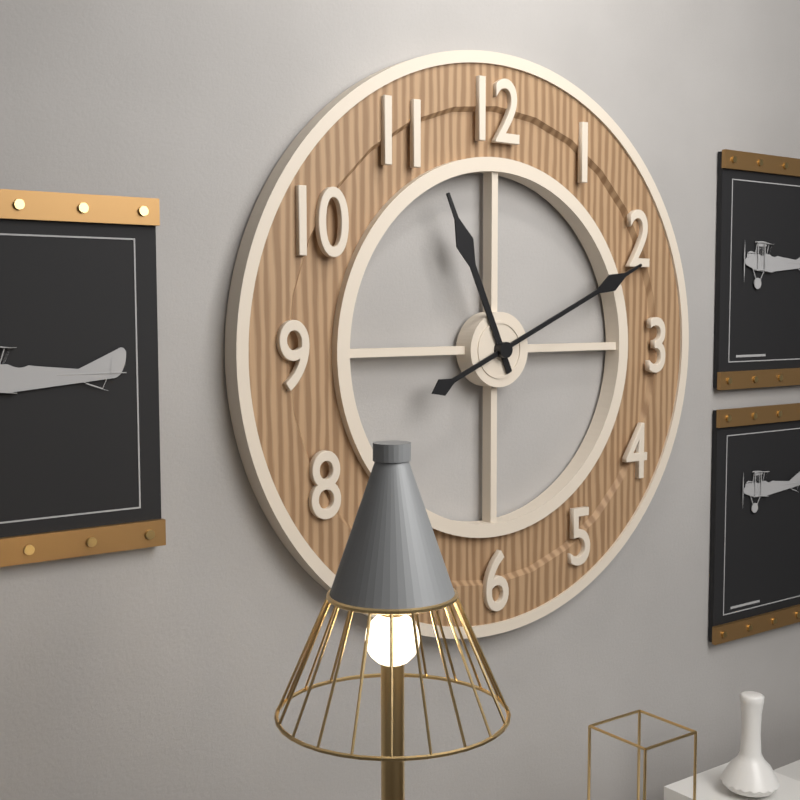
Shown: h=11 m=11
